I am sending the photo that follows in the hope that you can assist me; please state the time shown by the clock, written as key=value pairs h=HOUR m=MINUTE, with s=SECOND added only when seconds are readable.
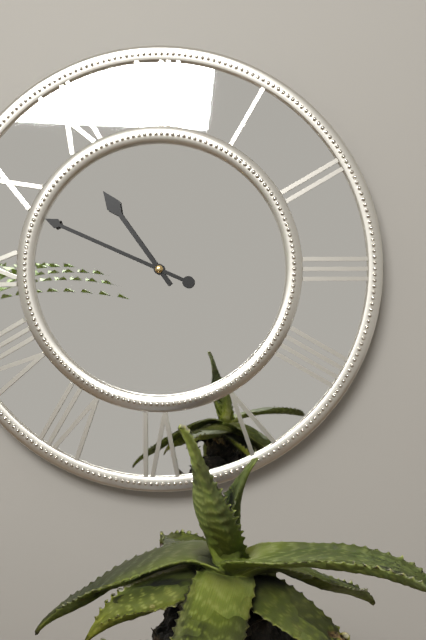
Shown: h=10 m=49
